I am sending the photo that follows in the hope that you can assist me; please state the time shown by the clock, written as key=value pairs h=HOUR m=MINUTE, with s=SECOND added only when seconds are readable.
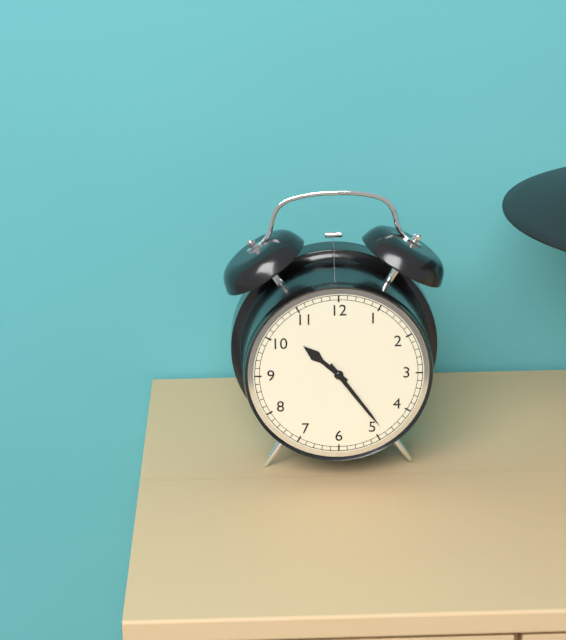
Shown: h=10 m=24
